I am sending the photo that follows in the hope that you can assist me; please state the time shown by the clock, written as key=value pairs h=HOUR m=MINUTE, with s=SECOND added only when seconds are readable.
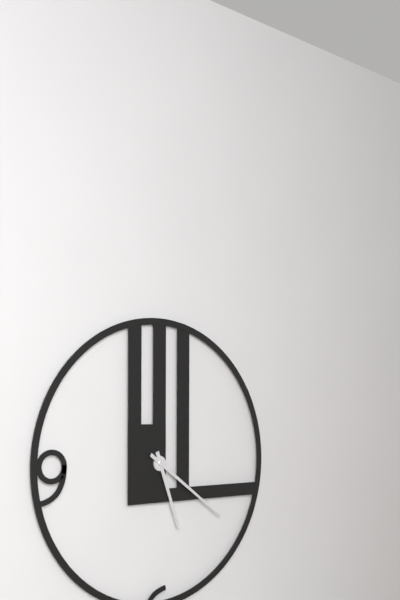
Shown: h=5 m=21
